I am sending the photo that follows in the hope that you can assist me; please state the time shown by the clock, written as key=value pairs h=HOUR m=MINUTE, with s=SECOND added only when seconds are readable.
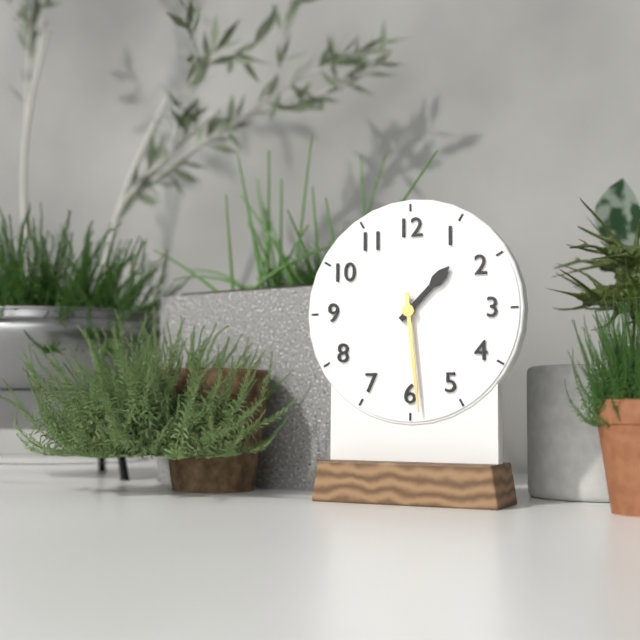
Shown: h=1 m=29
